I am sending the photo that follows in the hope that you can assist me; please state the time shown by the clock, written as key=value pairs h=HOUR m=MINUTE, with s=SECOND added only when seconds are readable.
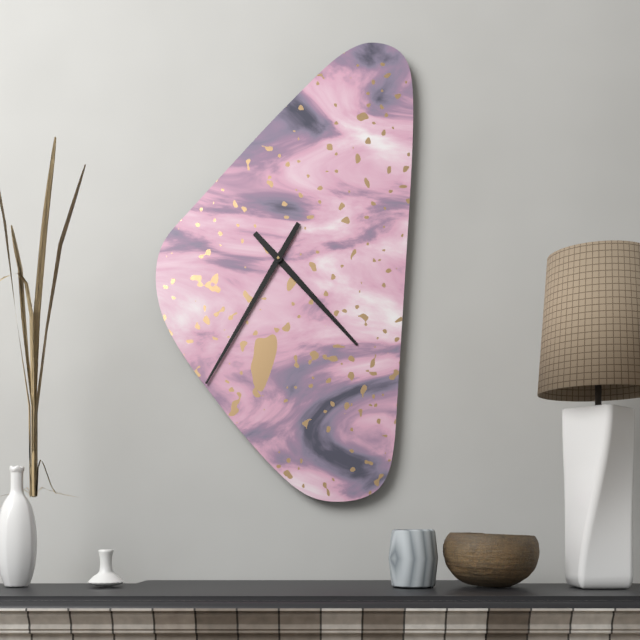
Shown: h=4 m=35
